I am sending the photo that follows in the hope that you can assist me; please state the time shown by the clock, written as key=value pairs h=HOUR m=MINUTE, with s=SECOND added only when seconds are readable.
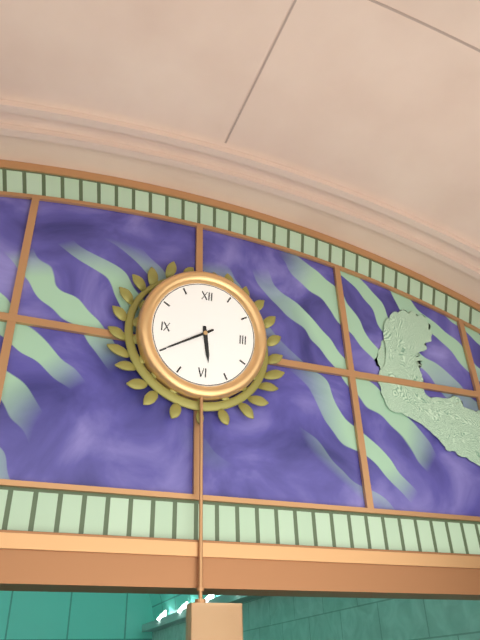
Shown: h=5 m=40
